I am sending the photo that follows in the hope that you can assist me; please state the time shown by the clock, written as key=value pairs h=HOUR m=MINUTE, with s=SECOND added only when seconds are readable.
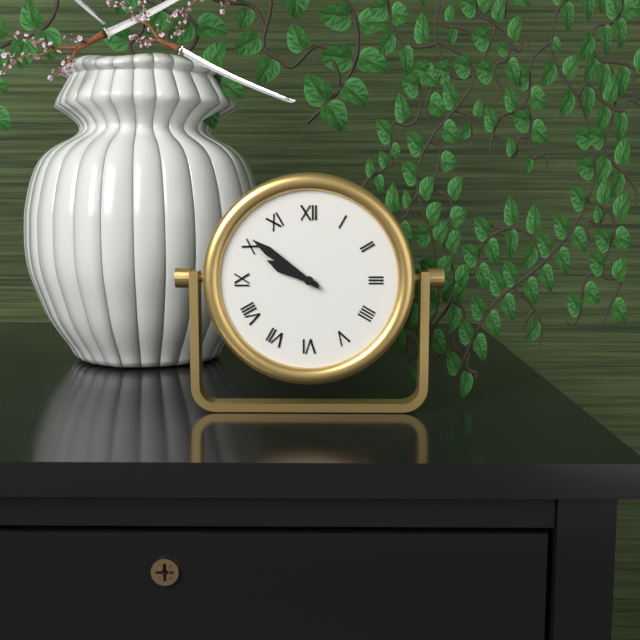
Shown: h=9 m=51
